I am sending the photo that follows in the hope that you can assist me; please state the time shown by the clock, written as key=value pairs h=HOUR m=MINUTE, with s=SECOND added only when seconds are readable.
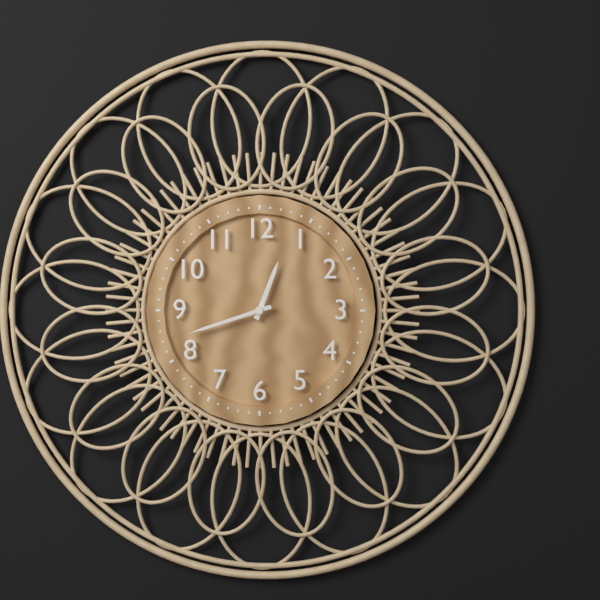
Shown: h=12 m=42
